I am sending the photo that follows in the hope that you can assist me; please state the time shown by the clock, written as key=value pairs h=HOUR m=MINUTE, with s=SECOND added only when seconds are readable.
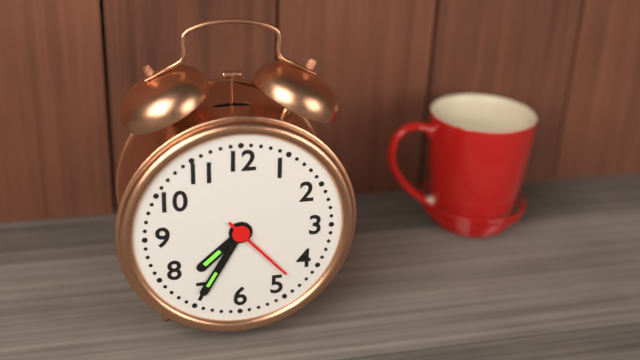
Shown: h=7 m=35 s=23
